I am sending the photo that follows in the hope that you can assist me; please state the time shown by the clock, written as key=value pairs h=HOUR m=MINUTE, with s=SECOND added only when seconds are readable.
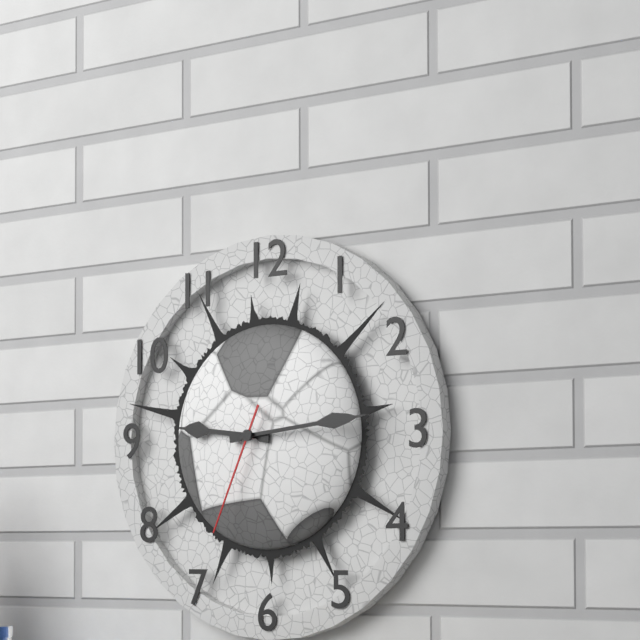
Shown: h=9 m=14 s=34
